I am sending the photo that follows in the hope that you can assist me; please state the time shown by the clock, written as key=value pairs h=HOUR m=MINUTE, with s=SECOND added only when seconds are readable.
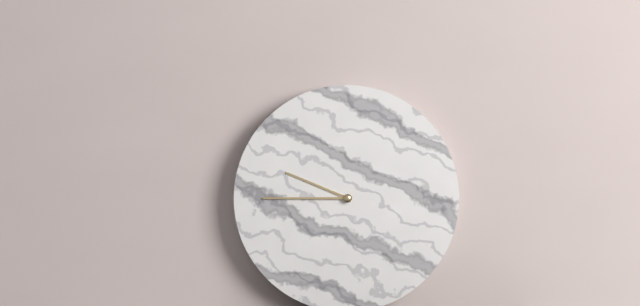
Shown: h=9 m=45
